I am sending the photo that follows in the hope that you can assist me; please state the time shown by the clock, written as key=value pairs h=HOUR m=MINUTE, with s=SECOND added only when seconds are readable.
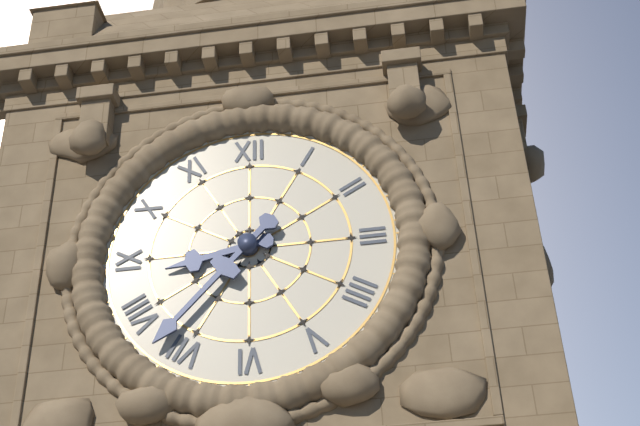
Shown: h=8 m=37
